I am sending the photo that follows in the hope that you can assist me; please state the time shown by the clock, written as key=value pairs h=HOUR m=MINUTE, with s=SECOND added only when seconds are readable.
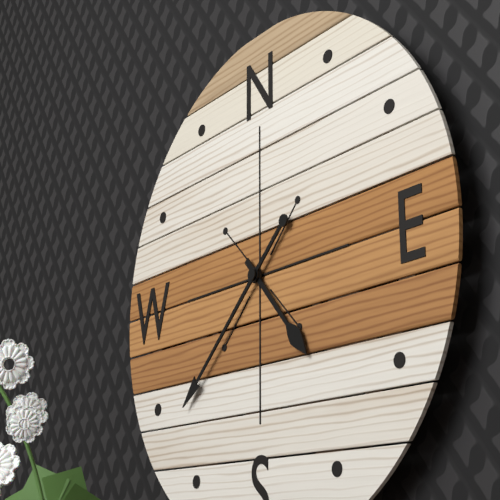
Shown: h=4 m=38
